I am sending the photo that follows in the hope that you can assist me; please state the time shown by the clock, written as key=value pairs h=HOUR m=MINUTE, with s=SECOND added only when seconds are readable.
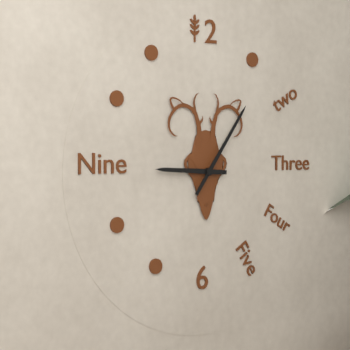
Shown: h=9 m=6
